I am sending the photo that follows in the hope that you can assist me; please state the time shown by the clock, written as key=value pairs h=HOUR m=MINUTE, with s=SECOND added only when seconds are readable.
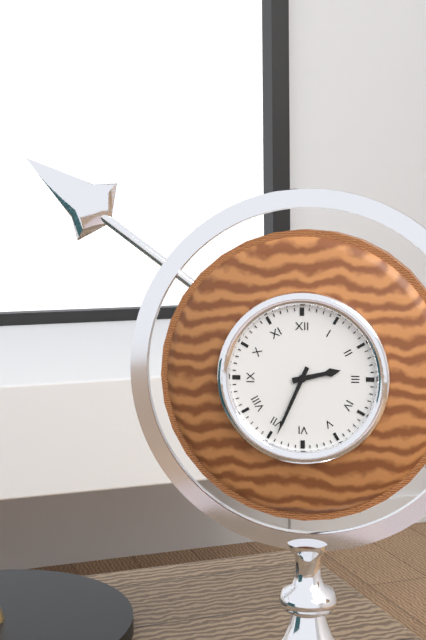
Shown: h=2 m=34
